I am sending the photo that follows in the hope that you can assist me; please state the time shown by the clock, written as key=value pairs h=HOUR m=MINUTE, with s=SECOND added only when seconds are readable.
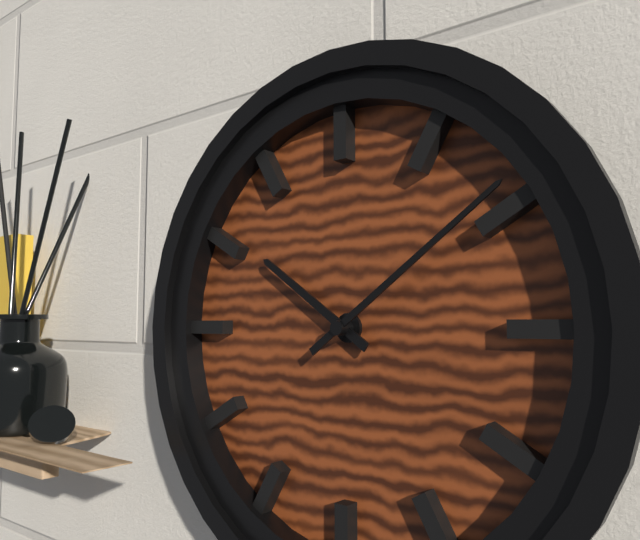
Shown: h=10 m=9
